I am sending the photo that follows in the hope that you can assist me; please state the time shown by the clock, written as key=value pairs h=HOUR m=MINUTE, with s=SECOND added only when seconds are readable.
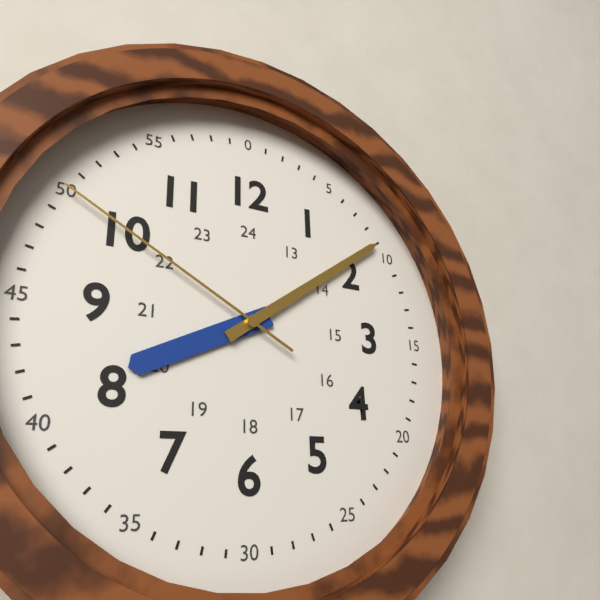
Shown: h=8 m=9 s=50
